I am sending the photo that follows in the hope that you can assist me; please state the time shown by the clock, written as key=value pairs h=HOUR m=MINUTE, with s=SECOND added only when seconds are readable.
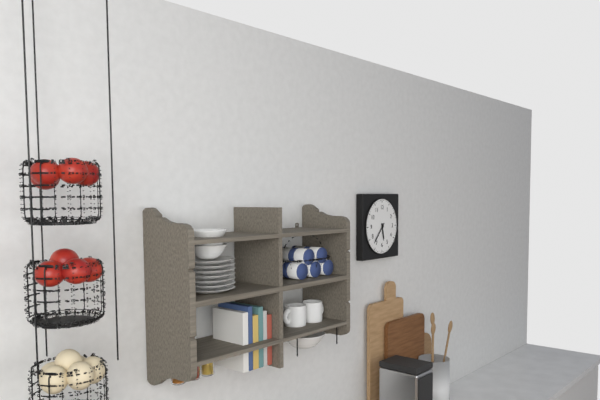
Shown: h=5 m=37
